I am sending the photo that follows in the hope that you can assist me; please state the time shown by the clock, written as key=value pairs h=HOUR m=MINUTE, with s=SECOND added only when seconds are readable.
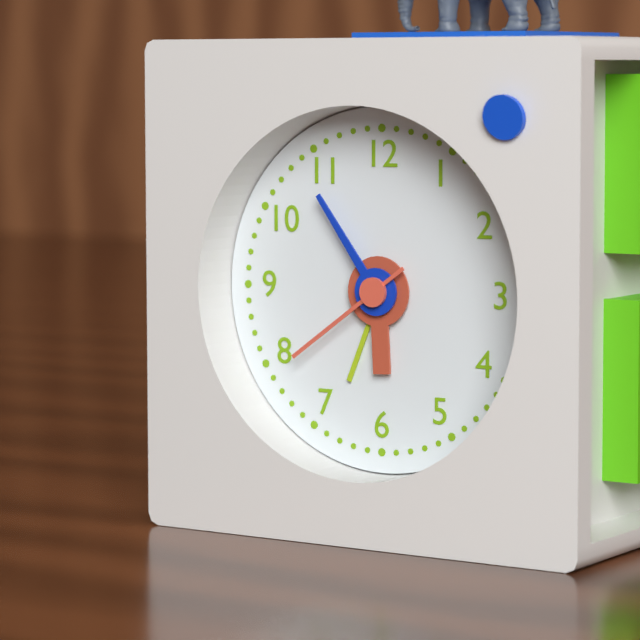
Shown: h=5 m=54 s=39
